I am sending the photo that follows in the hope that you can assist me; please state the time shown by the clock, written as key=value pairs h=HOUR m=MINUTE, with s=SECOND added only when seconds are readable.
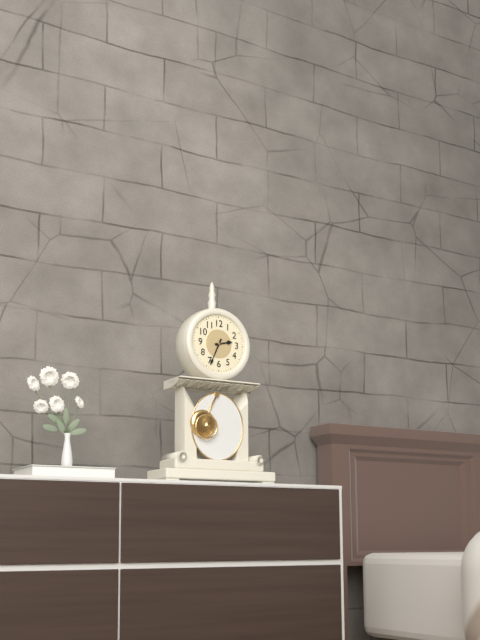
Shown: h=2 m=34
